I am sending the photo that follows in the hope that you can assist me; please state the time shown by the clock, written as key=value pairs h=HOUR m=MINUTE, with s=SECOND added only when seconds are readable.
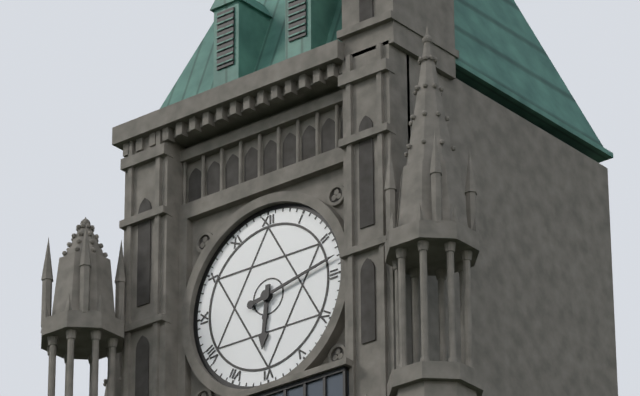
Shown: h=6 m=13
